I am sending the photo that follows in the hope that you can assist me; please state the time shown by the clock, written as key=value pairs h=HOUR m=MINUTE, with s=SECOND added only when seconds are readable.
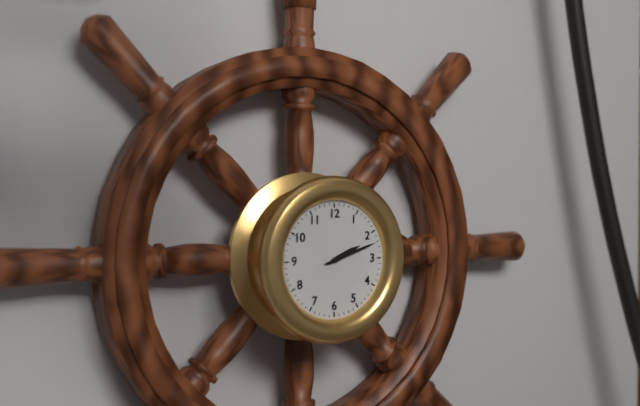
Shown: h=2 m=12
